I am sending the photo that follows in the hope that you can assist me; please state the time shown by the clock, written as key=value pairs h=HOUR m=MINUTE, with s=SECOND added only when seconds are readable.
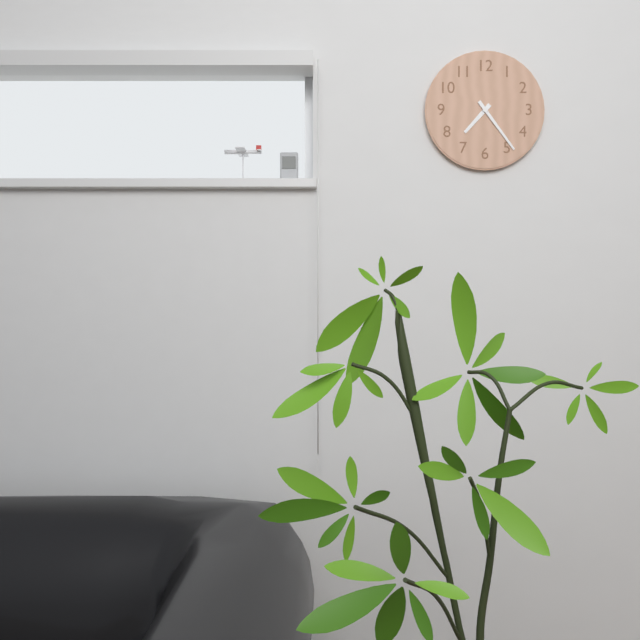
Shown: h=7 m=24
